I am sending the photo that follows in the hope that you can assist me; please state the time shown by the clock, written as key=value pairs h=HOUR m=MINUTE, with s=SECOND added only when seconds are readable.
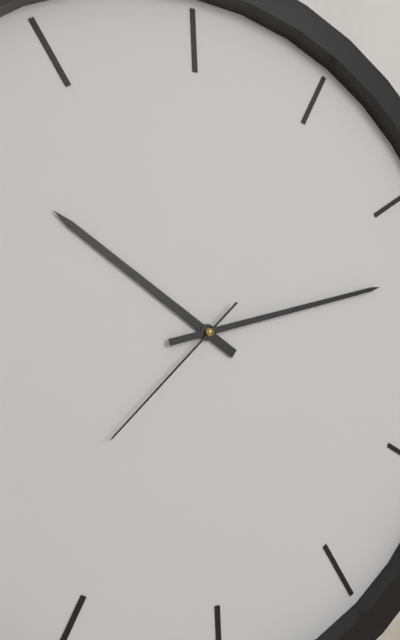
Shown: h=10 m=13 s=38
